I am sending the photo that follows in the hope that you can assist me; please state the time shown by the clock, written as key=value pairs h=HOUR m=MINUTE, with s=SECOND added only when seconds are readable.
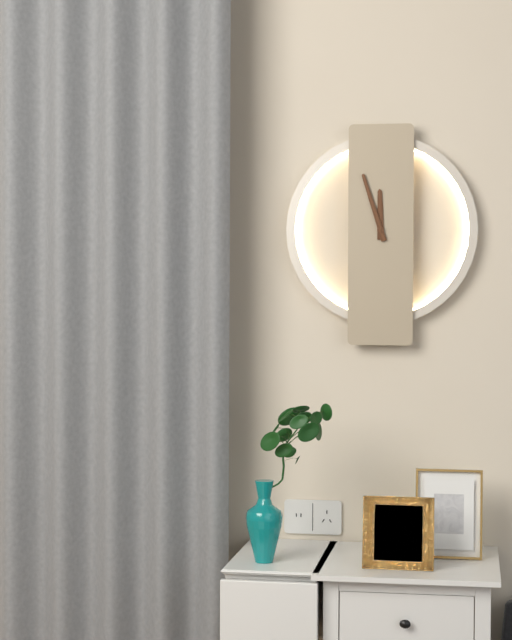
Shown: h=11 m=57
